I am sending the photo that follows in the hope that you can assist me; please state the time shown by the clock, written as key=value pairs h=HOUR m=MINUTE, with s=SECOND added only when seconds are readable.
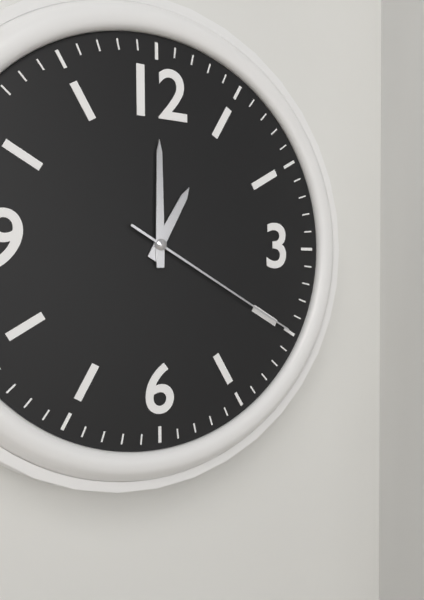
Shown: h=1 m=0 s=20
